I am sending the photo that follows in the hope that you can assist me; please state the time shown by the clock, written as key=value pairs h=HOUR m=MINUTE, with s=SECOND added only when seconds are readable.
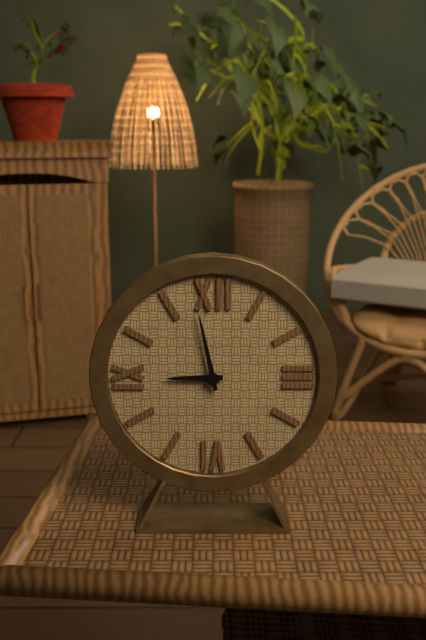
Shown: h=8 m=58
